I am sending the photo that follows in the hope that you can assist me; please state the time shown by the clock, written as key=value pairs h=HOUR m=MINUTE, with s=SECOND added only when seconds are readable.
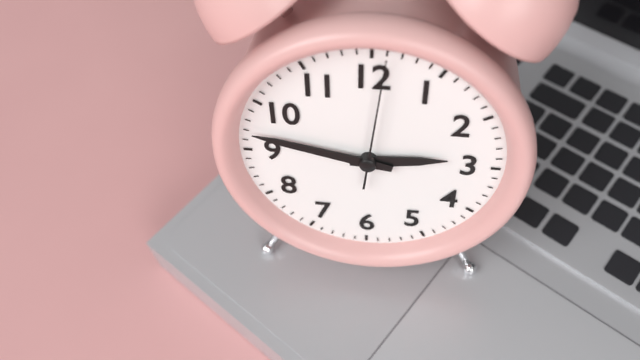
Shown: h=2 m=47 s=1
